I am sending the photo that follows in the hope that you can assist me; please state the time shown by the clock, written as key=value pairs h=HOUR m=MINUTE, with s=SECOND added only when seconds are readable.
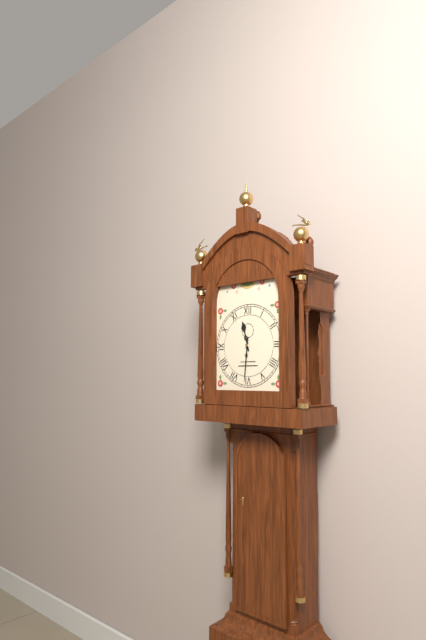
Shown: h=11 m=31
